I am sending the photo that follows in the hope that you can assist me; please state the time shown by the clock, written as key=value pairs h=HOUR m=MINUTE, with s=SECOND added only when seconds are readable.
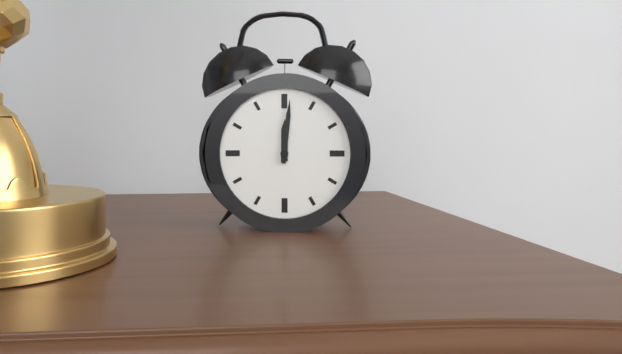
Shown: h=12 m=1
